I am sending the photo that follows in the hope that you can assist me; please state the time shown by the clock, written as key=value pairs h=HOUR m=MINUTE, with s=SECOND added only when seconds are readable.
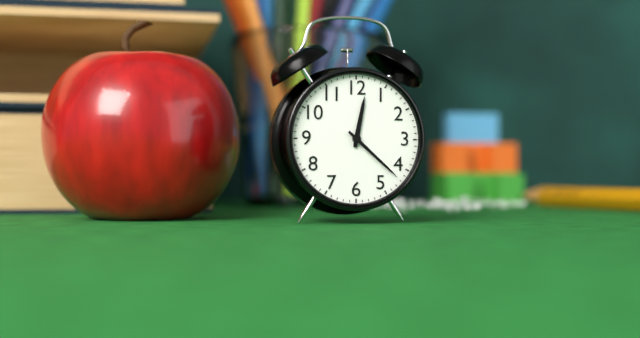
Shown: h=12 m=22
